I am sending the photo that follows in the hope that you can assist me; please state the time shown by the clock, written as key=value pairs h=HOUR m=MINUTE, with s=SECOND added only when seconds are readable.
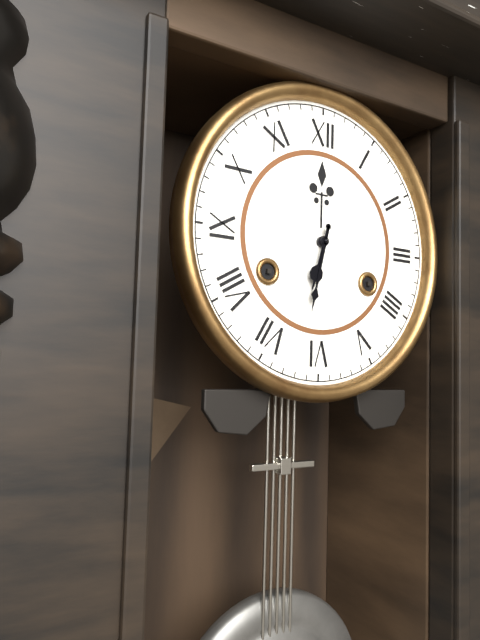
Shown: h=6 m=32
